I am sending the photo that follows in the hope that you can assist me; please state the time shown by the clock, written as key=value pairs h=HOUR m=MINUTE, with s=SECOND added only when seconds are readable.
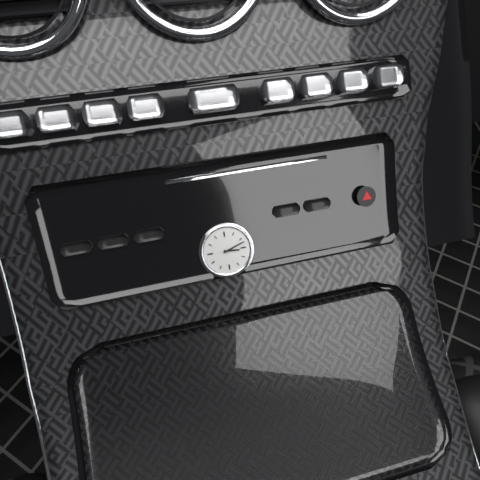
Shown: h=3 m=12
